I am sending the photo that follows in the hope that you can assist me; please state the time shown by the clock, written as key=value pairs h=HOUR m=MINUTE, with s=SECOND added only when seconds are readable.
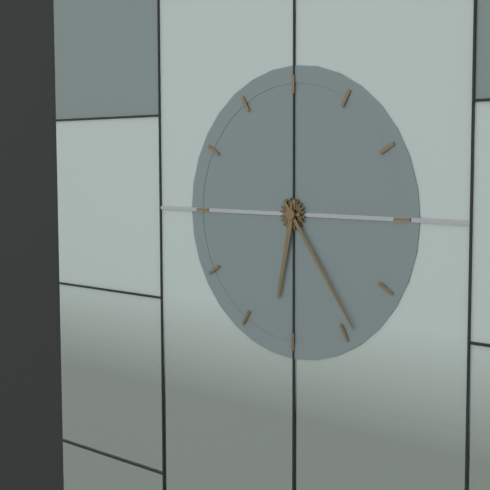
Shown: h=6 m=24
